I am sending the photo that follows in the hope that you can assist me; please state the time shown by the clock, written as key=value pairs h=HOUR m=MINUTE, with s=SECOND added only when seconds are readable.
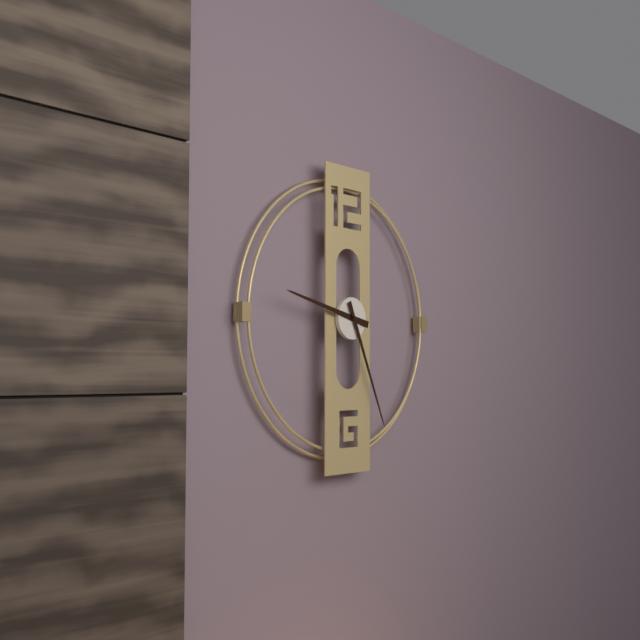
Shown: h=9 m=26
